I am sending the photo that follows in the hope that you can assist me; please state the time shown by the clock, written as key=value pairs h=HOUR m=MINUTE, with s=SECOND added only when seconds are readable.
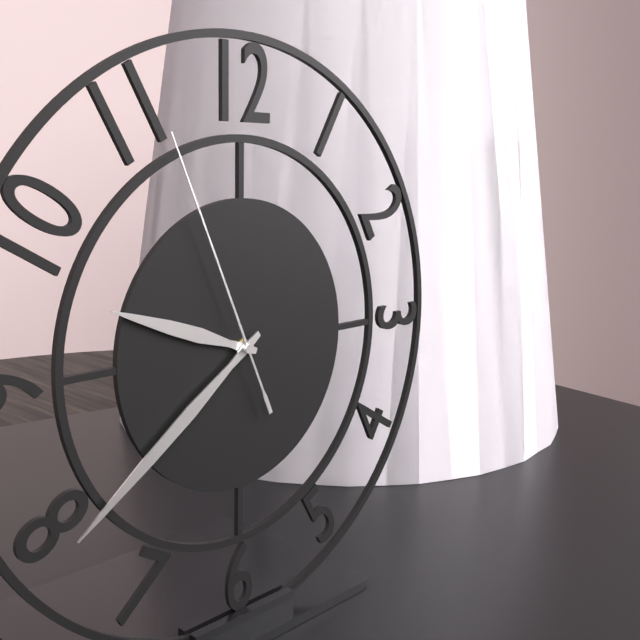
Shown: h=9 m=39 s=56
